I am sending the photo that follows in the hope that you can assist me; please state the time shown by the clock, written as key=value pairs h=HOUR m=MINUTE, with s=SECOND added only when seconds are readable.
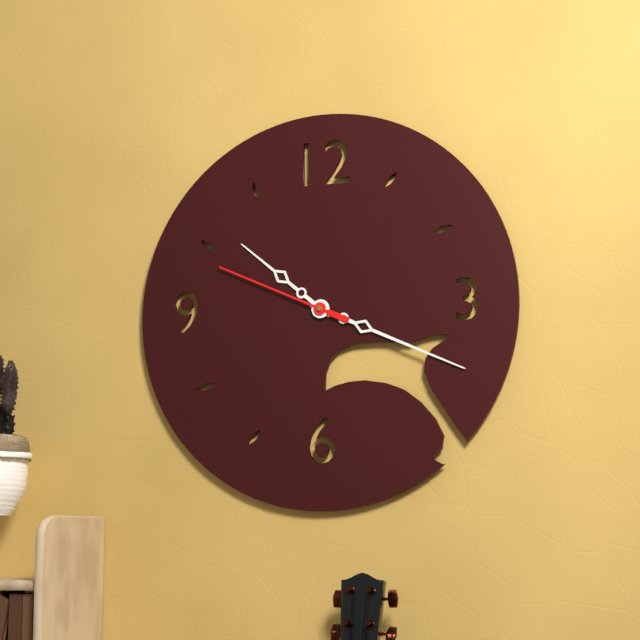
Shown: h=10 m=19 s=49
